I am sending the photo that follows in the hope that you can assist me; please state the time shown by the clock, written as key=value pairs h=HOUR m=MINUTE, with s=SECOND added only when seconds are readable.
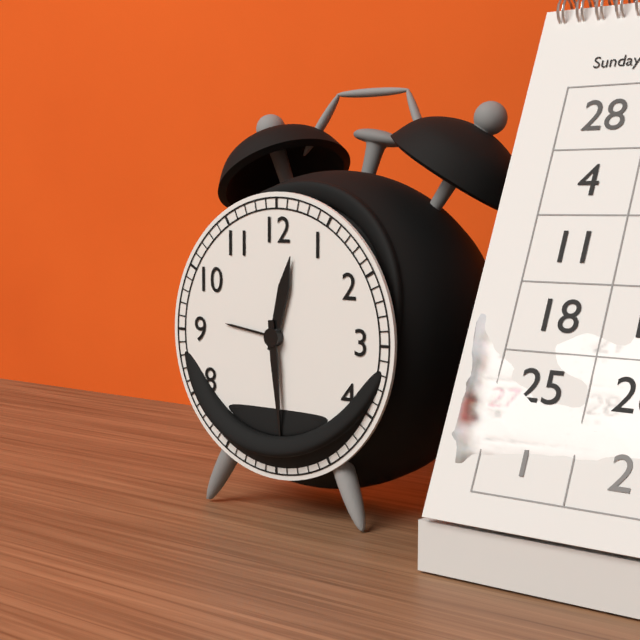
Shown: h=12 m=29
